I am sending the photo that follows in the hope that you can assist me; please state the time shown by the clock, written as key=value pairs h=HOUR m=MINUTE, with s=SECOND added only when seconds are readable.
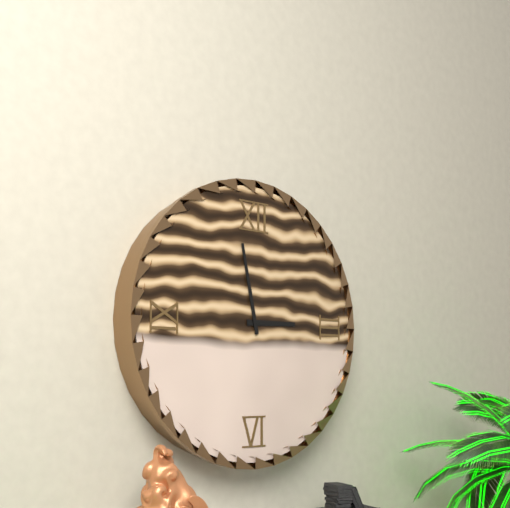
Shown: h=2 m=58
